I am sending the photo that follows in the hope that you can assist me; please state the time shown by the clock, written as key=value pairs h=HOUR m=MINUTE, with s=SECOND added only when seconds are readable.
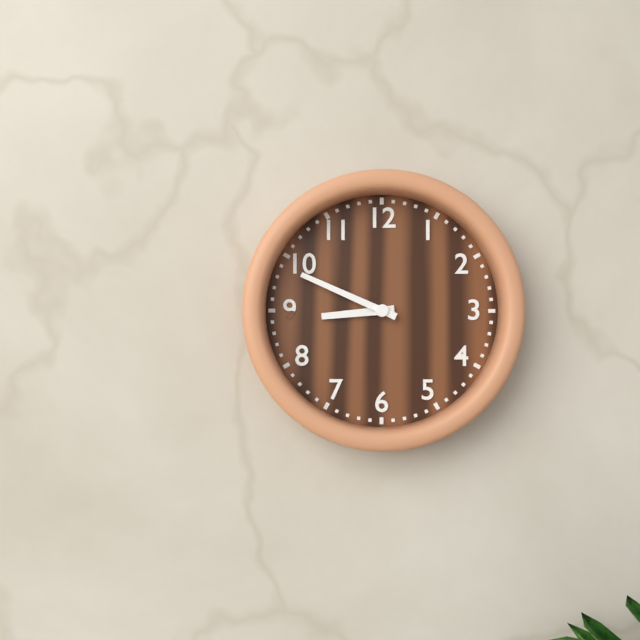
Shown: h=8 m=49
